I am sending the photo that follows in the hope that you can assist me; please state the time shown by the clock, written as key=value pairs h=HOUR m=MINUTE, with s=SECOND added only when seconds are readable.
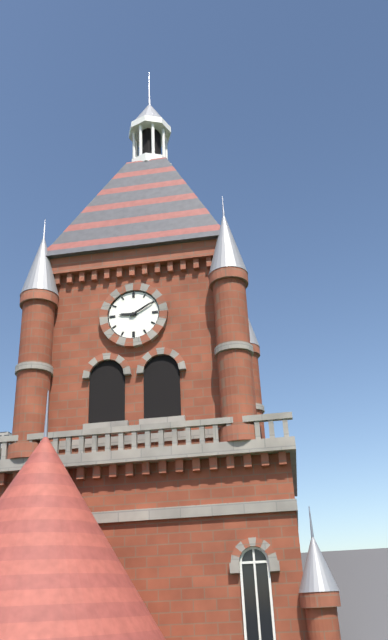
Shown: h=9 m=10
